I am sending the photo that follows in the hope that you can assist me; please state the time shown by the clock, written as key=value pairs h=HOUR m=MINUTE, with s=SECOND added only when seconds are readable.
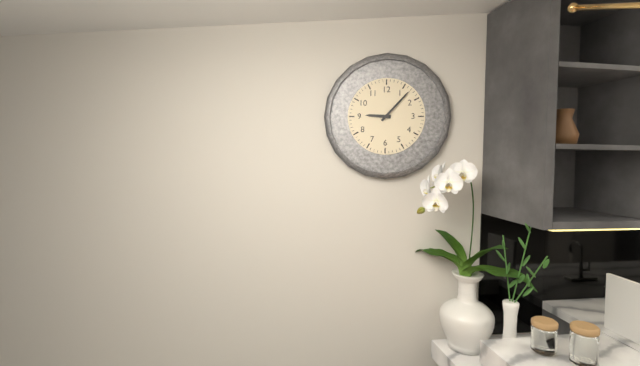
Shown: h=9 m=7
